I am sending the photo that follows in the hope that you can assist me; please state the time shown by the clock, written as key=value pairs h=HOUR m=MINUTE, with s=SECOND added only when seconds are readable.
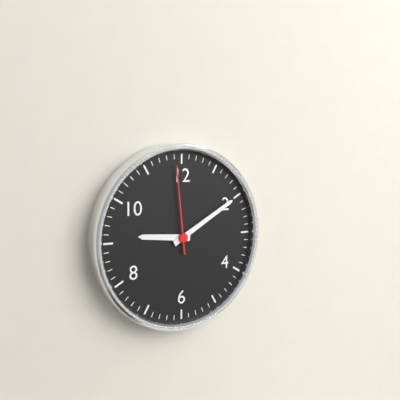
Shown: h=9 m=10 s=59
